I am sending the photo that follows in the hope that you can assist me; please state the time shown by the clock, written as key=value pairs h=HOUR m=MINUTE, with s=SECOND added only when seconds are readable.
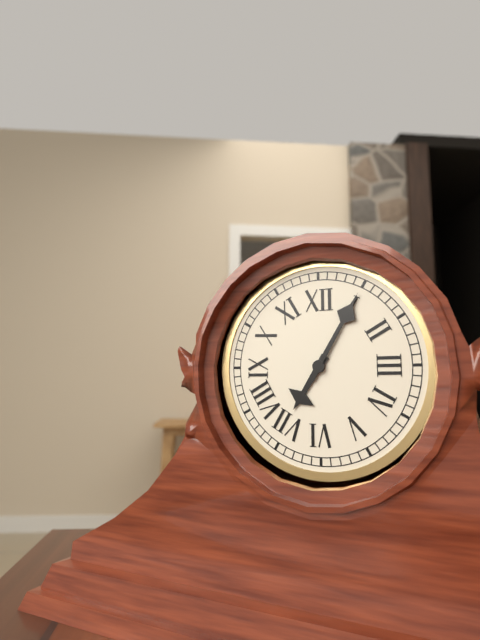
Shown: h=7 m=5
